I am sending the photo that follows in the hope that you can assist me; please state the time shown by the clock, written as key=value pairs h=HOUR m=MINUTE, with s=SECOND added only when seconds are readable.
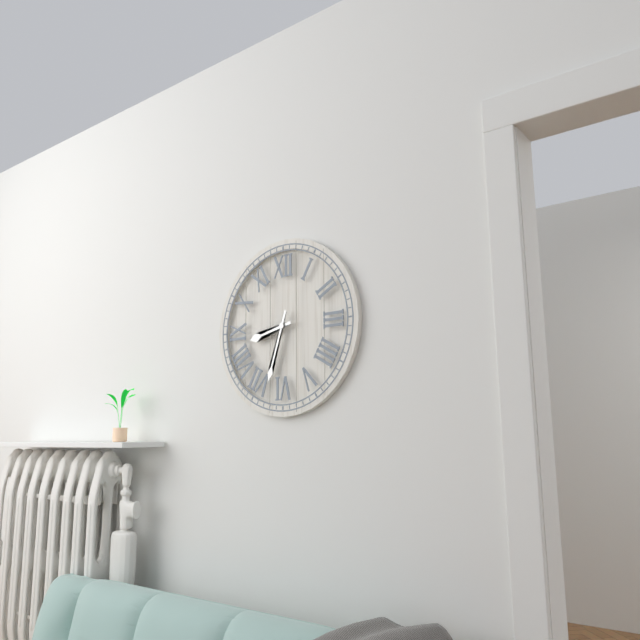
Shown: h=8 m=33
